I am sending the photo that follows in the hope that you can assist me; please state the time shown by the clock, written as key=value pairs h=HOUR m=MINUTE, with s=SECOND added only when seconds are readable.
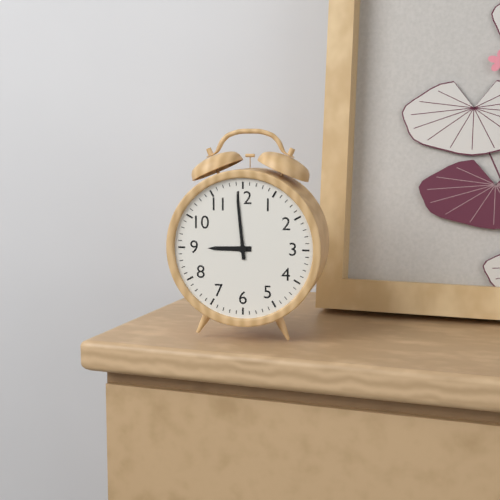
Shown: h=8 m=59
